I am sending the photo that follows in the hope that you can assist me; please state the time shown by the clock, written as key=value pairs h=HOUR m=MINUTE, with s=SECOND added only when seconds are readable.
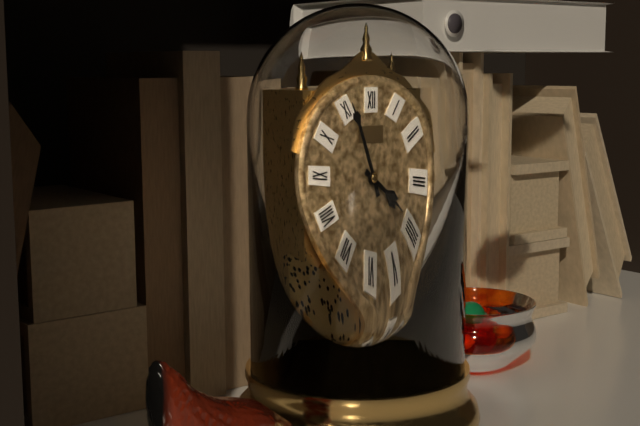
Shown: h=3 m=56
